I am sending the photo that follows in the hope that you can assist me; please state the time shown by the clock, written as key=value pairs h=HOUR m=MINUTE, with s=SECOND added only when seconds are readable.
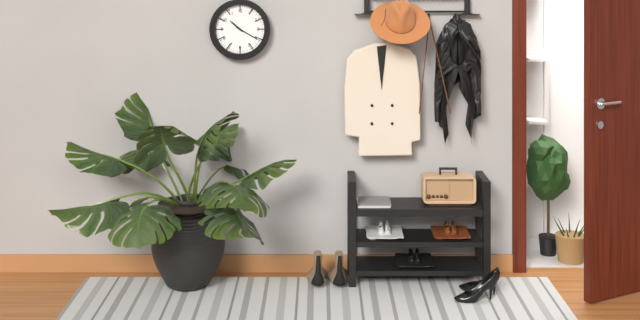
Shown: h=10 m=20
